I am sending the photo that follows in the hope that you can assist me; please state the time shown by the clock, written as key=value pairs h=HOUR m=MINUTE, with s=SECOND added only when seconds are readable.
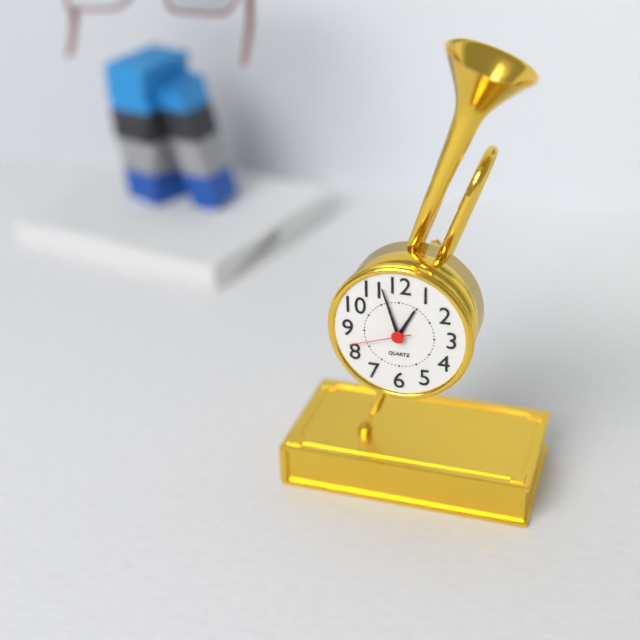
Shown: h=12 m=57 s=42
